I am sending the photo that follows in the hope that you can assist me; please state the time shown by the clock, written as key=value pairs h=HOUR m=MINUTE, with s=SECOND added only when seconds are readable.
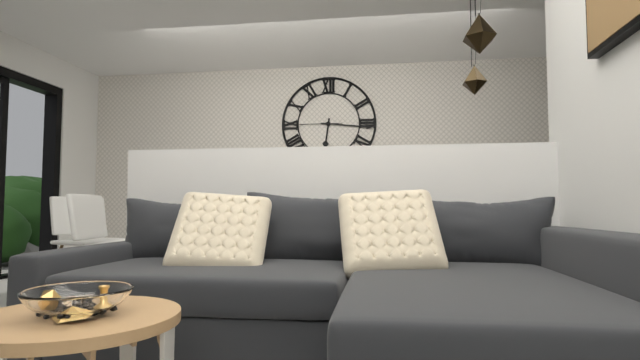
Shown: h=6 m=16 s=45
